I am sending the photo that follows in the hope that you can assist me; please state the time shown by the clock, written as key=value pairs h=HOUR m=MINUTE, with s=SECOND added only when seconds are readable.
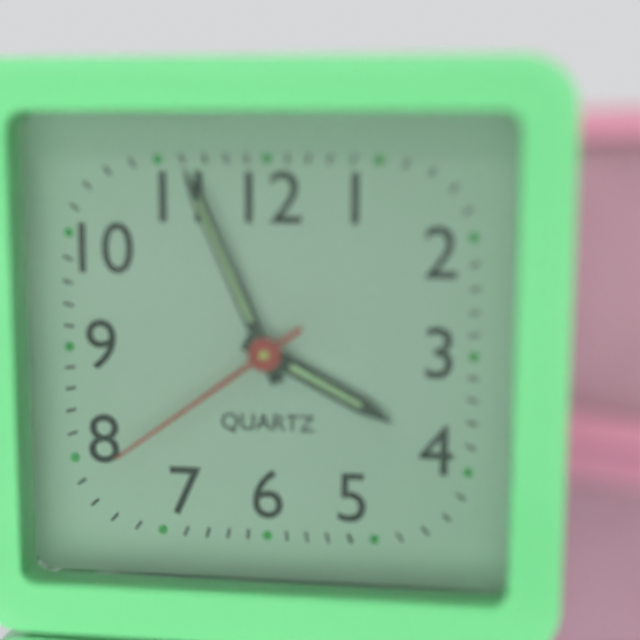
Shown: h=3 m=56 s=39
